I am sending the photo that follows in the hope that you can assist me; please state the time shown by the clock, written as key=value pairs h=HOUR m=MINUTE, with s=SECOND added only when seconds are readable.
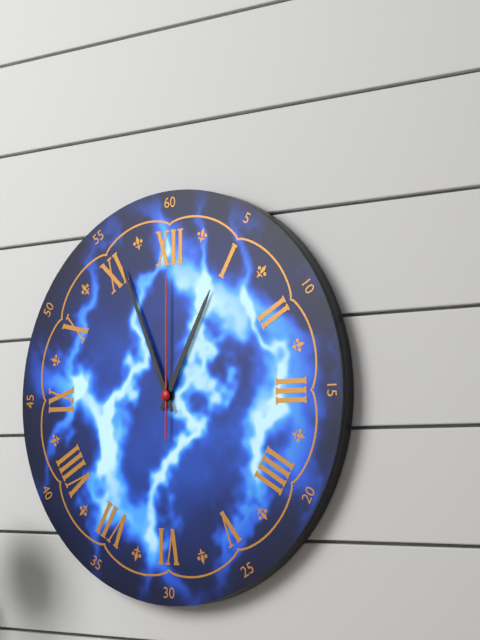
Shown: h=12 m=56 s=0
